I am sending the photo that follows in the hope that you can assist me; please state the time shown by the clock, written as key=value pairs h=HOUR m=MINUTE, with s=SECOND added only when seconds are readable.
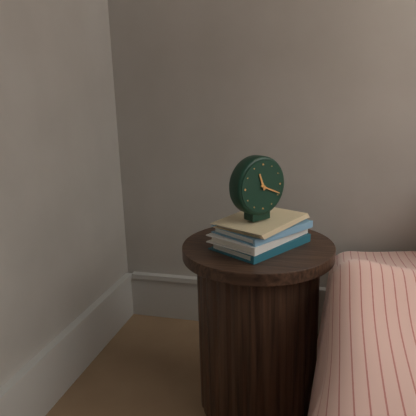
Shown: h=11 m=19
